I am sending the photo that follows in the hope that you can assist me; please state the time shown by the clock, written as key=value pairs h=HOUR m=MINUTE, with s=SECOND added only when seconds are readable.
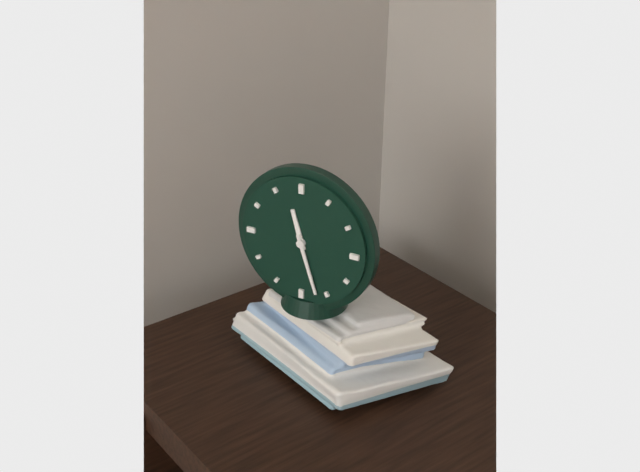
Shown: h=11 m=27
